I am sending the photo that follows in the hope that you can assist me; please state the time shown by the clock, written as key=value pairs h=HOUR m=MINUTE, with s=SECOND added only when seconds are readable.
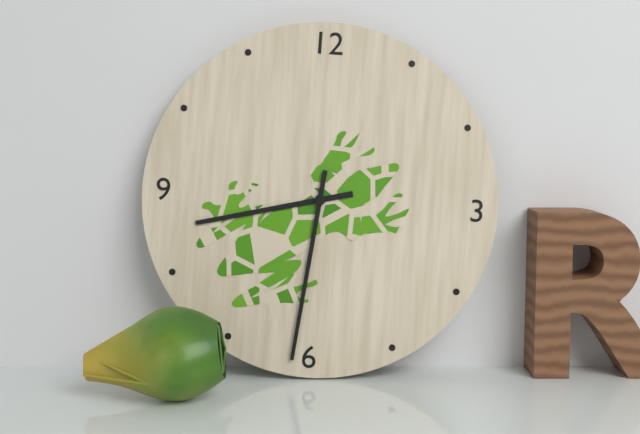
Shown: h=8 m=31
